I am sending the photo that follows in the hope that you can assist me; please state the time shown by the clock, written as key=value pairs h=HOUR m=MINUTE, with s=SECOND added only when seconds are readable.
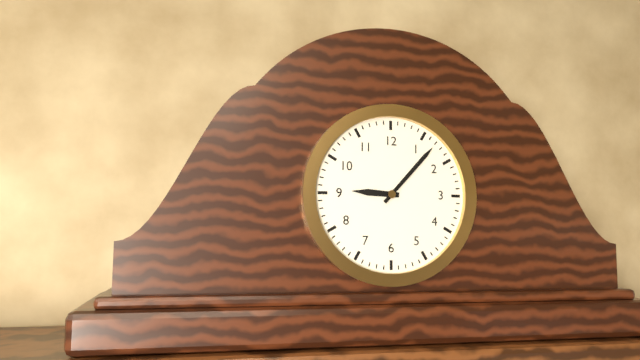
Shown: h=9 m=7
